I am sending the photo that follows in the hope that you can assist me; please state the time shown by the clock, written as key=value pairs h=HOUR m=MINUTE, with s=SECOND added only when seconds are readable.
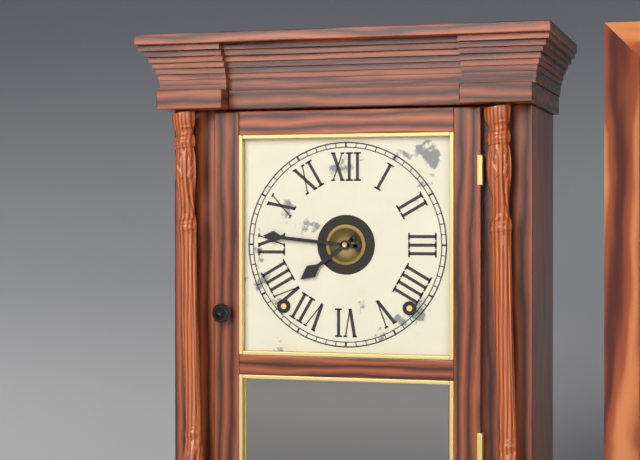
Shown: h=7 m=46
